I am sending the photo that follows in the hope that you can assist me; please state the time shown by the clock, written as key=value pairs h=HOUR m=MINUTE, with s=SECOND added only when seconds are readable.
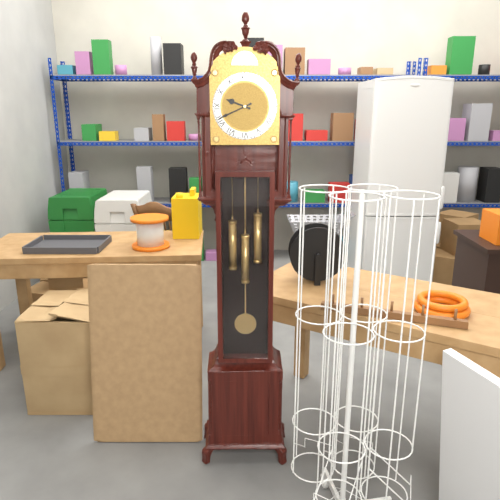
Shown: h=9 m=41
